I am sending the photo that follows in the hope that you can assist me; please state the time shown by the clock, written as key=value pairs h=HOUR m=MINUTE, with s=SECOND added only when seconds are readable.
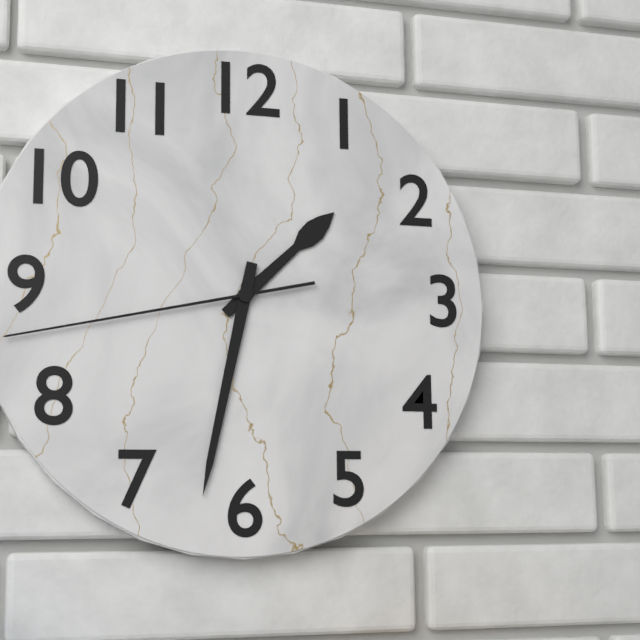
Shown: h=1 m=32 s=43
